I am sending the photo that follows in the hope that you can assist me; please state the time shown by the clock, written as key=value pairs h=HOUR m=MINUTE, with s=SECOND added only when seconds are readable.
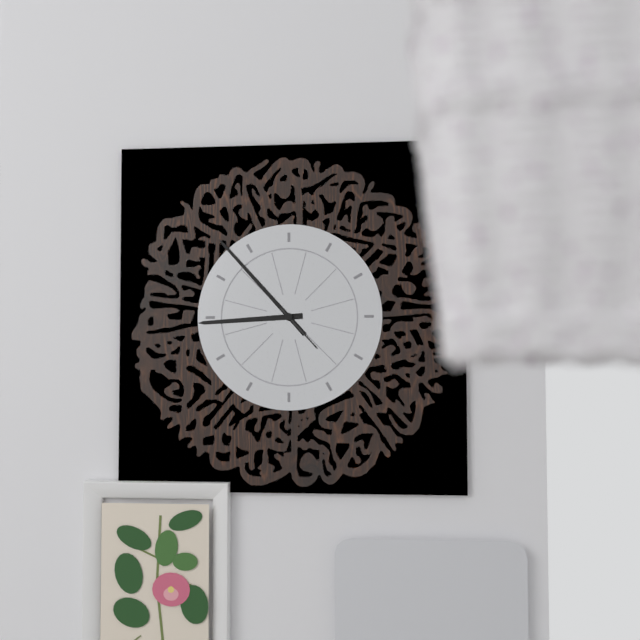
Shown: h=8 m=53 s=23
